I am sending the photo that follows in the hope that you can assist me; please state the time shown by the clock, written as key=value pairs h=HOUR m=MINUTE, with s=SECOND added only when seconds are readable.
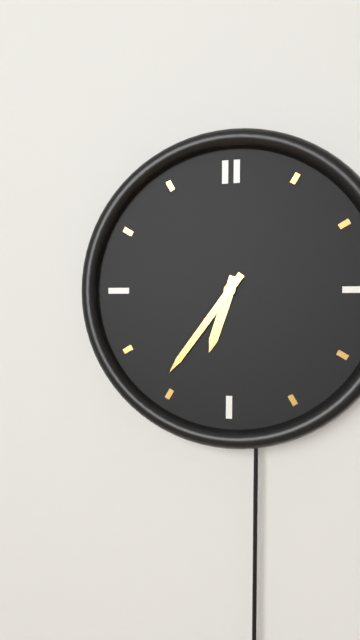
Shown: h=6 m=36
